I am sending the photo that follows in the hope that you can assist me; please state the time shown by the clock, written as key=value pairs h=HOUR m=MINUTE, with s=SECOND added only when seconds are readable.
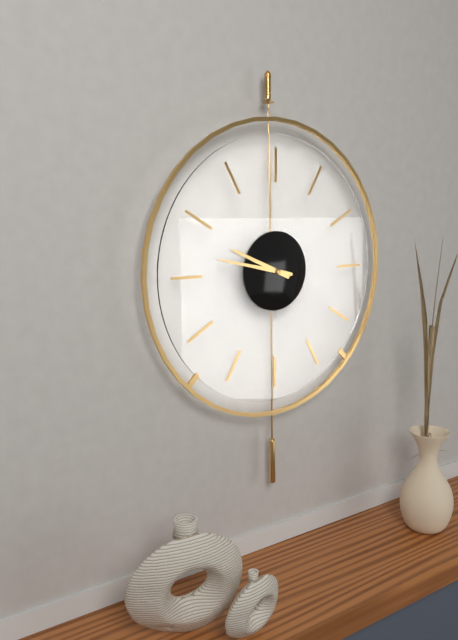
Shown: h=9 m=47
